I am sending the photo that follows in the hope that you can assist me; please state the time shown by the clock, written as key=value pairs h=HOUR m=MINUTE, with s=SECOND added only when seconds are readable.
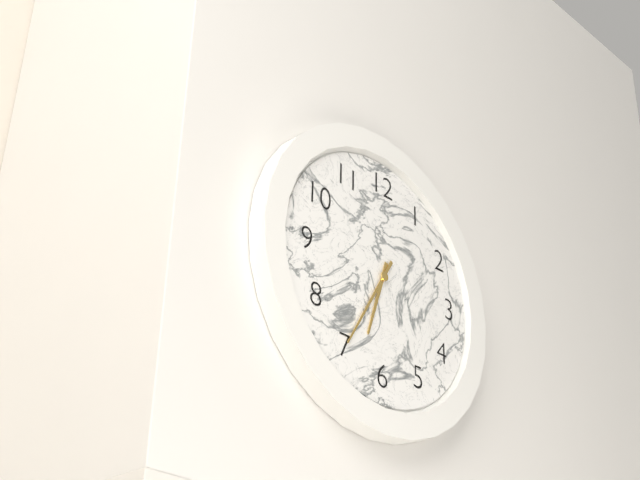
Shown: h=6 m=35
